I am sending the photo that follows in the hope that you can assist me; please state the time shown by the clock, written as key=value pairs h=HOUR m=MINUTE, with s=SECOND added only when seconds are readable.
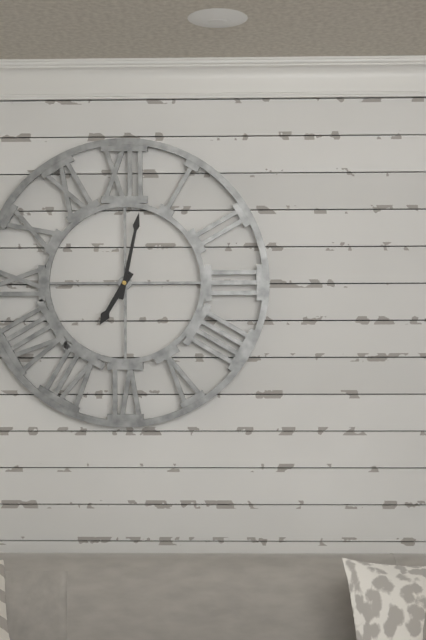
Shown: h=7 m=2
